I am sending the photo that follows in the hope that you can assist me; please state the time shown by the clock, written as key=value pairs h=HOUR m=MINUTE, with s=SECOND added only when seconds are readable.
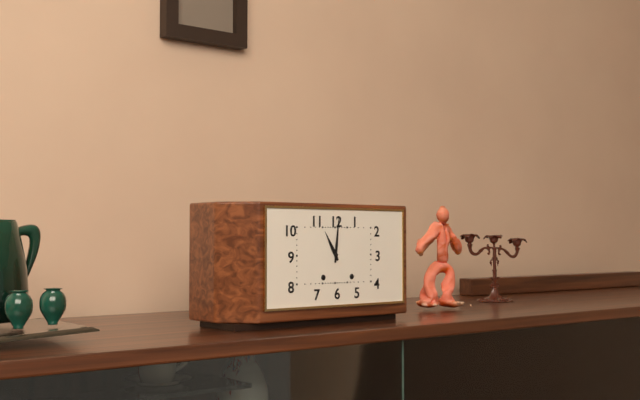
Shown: h=11 m=1
